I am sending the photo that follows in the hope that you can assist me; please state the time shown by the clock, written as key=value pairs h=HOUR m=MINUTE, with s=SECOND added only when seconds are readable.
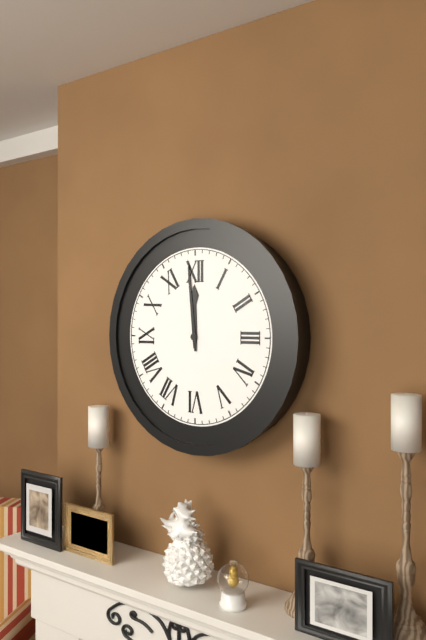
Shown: h=11 m=59
